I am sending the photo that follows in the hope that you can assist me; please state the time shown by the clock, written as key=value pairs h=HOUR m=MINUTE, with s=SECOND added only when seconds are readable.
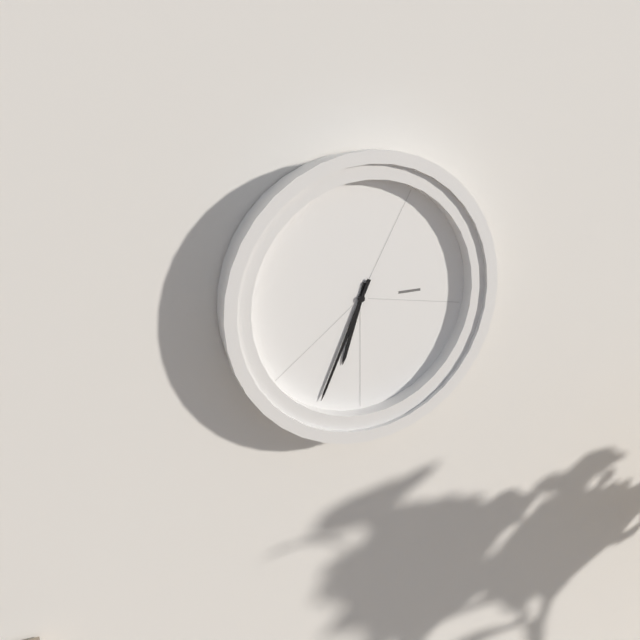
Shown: h=6 m=34
